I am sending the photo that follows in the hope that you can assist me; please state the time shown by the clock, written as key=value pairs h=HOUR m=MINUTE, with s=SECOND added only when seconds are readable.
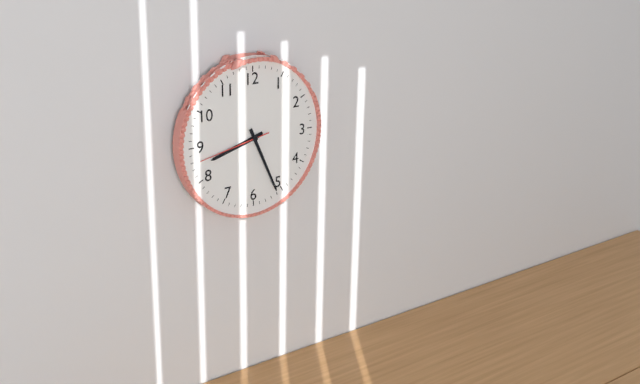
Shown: h=8 m=26 s=43
